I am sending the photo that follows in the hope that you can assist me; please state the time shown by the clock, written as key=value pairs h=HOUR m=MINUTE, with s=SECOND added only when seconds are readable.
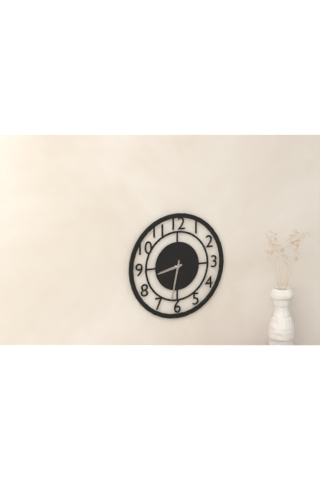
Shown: h=8 m=32
